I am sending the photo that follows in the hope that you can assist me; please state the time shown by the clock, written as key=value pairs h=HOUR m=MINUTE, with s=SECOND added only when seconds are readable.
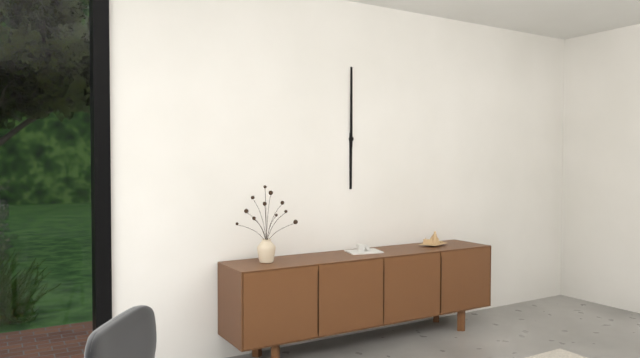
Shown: h=6 m=0
